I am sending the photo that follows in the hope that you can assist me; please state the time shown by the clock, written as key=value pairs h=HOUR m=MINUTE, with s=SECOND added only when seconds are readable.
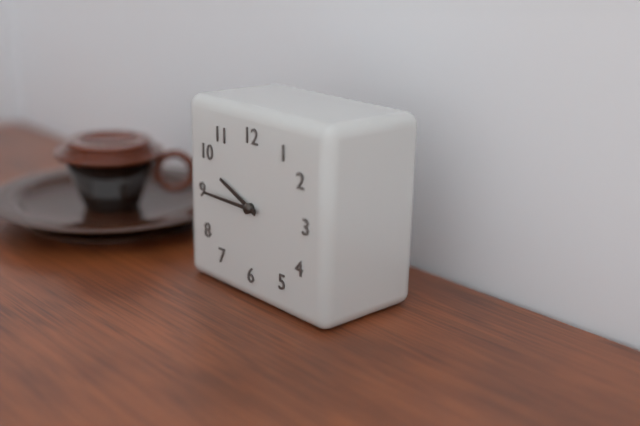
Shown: h=9 m=45
